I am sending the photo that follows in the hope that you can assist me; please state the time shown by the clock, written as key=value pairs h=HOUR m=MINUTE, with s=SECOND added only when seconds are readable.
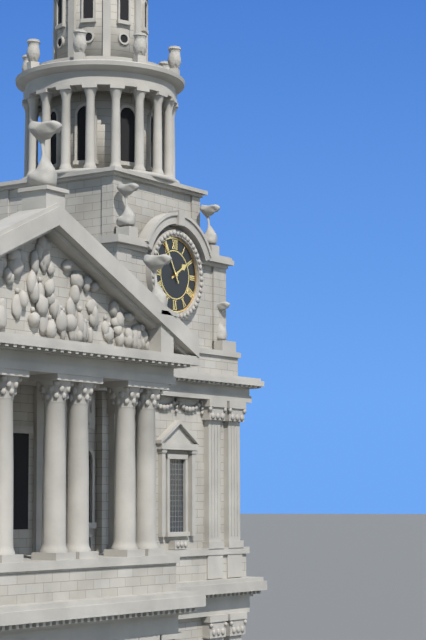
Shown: h=1 m=55
